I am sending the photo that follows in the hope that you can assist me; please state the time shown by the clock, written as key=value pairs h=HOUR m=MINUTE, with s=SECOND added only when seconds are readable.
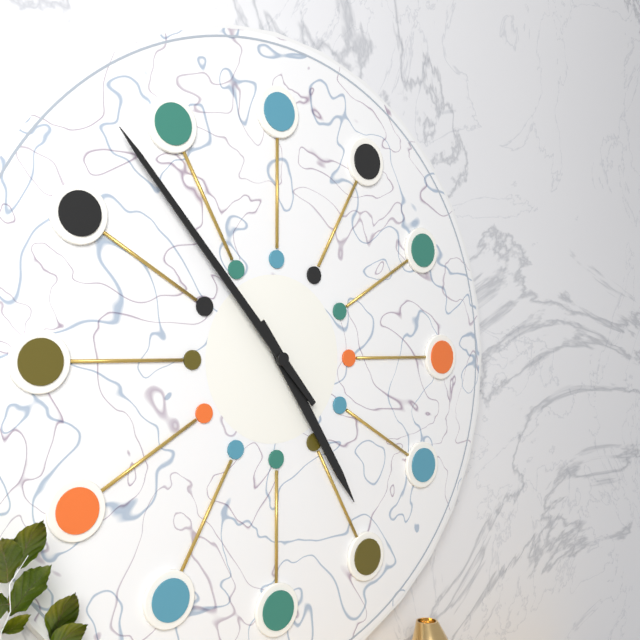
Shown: h=4 m=53
